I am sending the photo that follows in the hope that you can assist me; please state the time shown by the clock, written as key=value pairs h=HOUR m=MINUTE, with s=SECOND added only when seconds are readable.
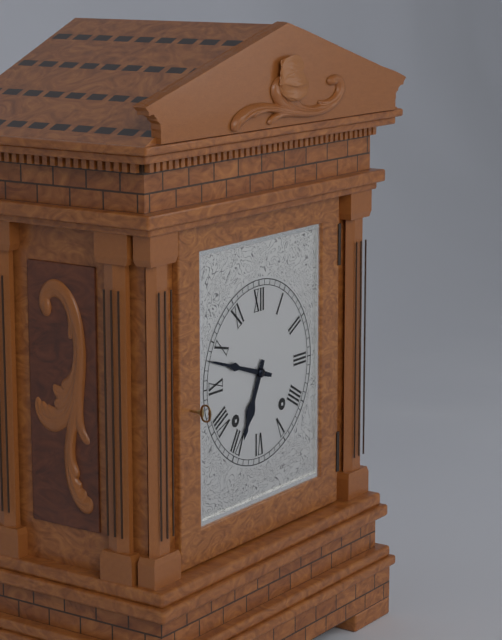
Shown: h=6 m=48
